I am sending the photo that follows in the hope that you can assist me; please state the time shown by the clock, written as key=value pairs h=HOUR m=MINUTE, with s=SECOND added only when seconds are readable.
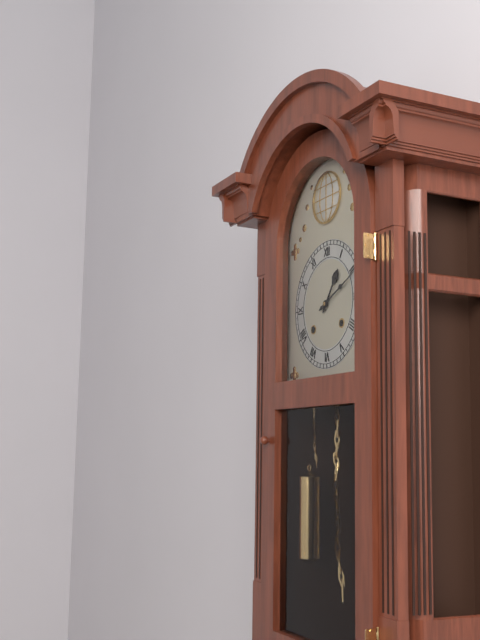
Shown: h=1 m=11
